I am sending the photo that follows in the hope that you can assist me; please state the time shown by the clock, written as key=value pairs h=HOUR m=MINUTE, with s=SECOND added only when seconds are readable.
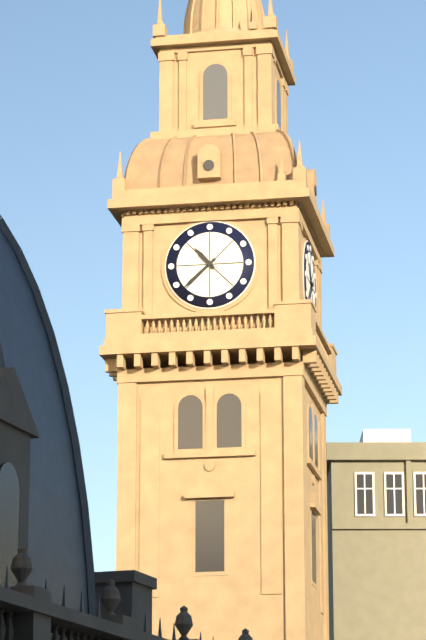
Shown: h=10 m=38
